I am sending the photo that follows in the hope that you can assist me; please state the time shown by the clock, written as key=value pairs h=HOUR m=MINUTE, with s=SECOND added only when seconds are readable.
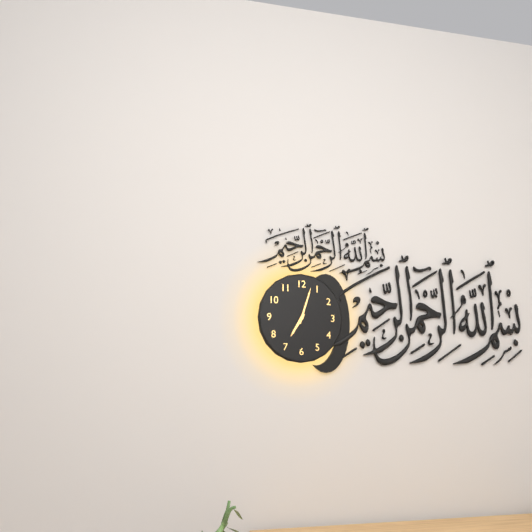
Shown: h=7 m=3
